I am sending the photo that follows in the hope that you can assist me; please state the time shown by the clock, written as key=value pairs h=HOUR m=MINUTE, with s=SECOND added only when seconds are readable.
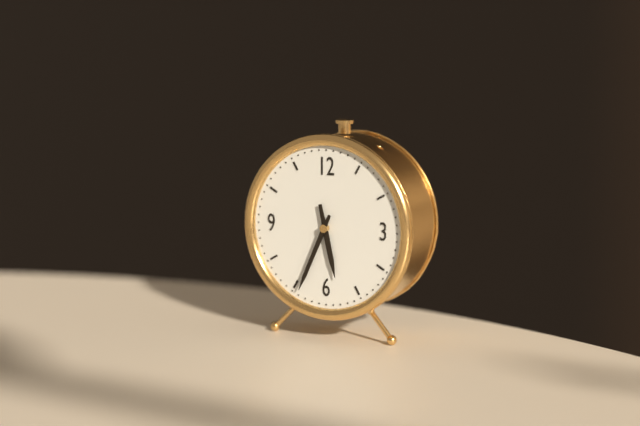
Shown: h=5 m=34
